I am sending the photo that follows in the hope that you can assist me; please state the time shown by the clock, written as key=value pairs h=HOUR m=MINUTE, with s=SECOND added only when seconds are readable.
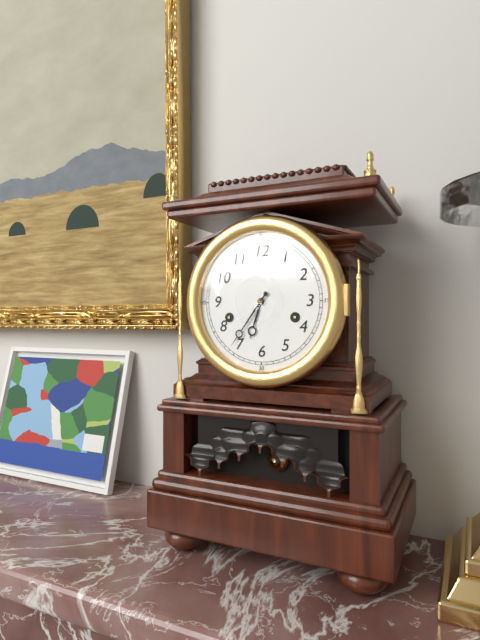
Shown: h=6 m=36
